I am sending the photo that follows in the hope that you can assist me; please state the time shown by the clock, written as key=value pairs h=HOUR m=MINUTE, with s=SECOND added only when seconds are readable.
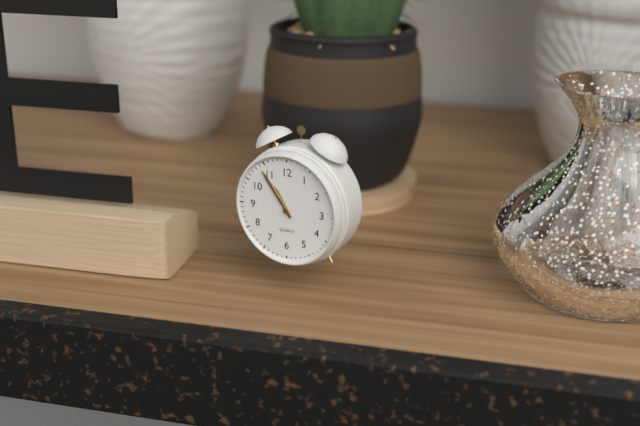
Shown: h=10 m=54
